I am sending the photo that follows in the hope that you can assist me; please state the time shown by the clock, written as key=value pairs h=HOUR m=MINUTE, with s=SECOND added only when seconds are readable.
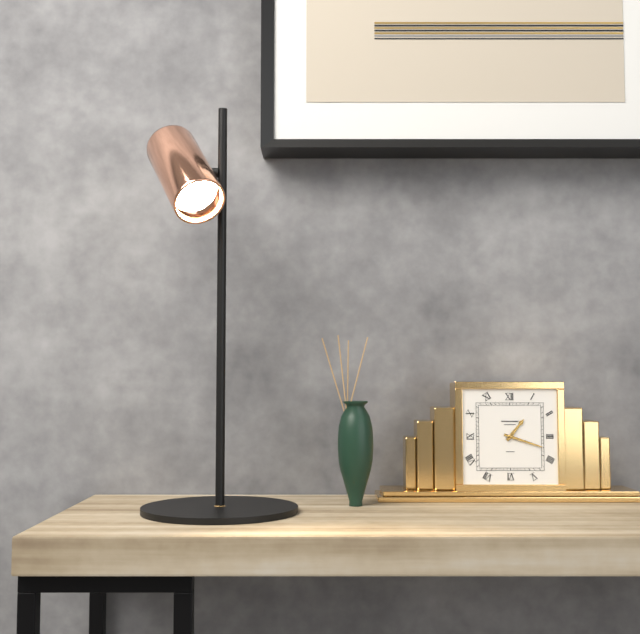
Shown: h=1 m=18
